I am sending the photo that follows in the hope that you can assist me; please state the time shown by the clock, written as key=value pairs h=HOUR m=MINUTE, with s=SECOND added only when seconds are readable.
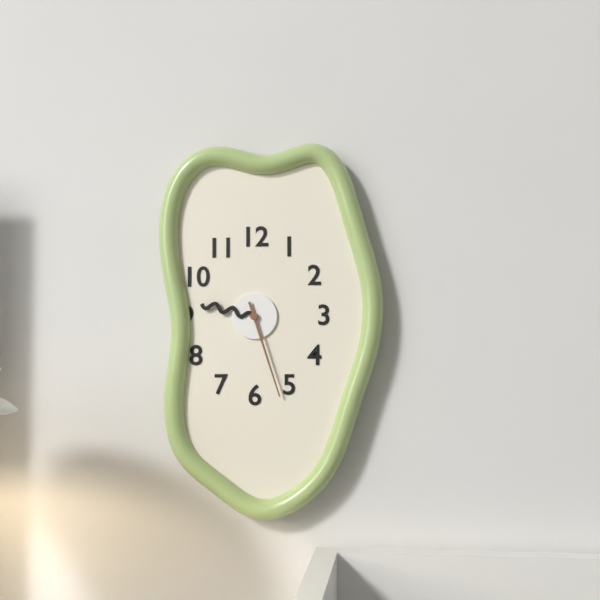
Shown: h=9 m=27
